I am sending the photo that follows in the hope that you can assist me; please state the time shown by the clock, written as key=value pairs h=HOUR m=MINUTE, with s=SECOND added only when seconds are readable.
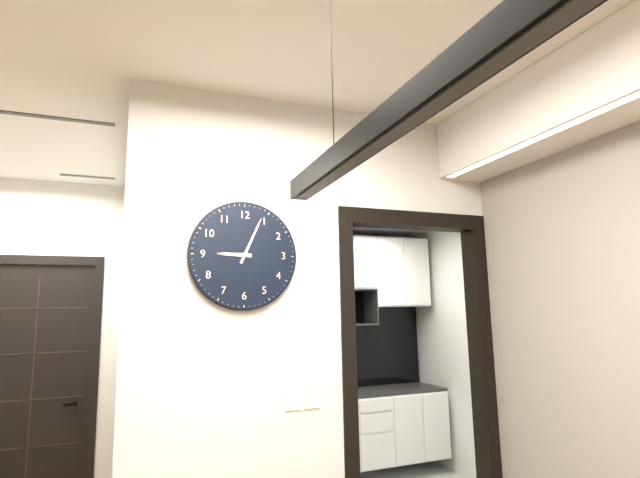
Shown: h=9 m=4
